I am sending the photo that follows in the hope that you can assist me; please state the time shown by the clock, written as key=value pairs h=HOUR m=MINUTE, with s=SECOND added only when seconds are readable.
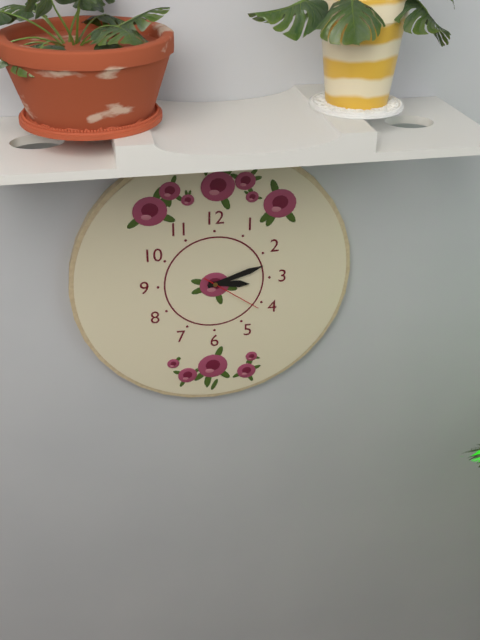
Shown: h=3 m=12 s=21
